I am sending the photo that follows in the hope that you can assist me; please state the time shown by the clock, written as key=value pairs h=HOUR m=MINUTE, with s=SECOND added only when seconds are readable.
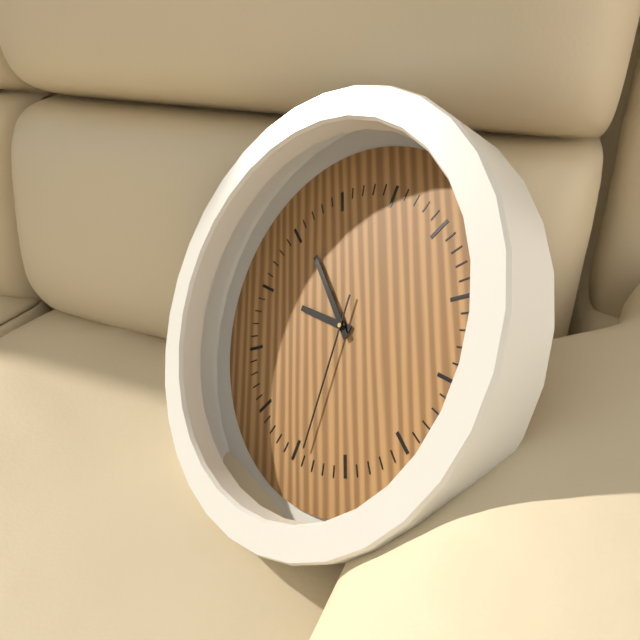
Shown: h=9 m=56 s=34
